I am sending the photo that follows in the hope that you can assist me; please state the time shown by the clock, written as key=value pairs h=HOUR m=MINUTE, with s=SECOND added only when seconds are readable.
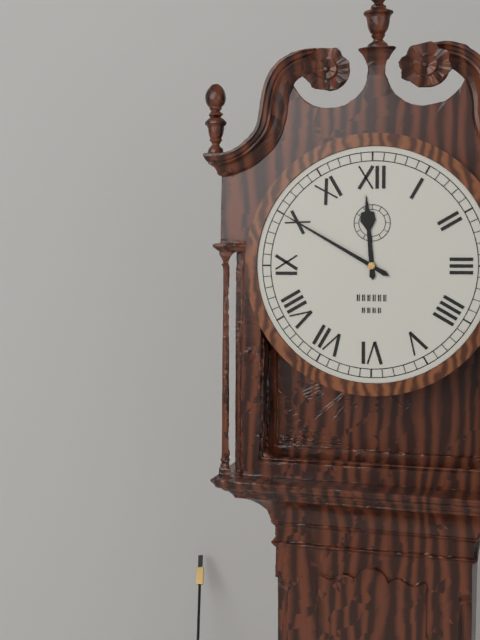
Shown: h=11 m=50
